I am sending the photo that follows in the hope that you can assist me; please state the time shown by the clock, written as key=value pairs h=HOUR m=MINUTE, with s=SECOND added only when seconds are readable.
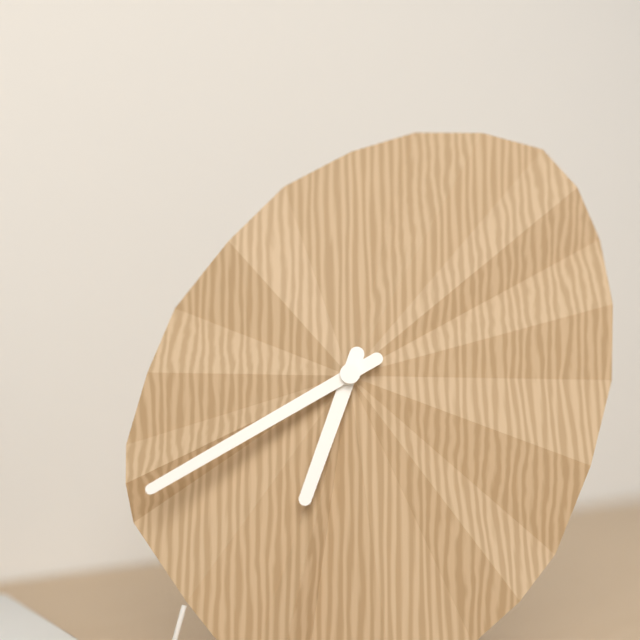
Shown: h=6 m=40
